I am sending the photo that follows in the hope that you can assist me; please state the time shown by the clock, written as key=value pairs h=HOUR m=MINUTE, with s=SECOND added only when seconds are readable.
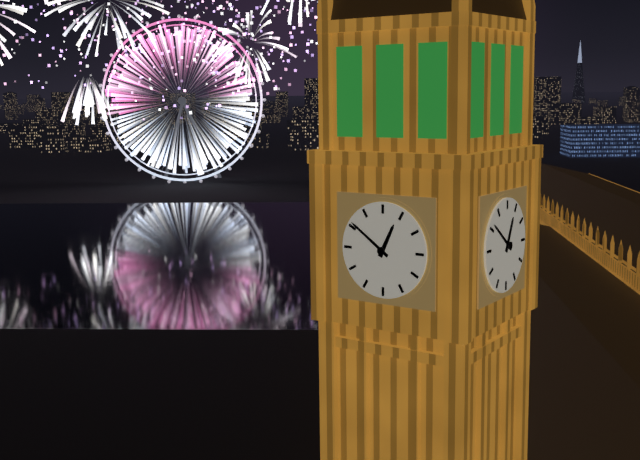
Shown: h=12 m=51
